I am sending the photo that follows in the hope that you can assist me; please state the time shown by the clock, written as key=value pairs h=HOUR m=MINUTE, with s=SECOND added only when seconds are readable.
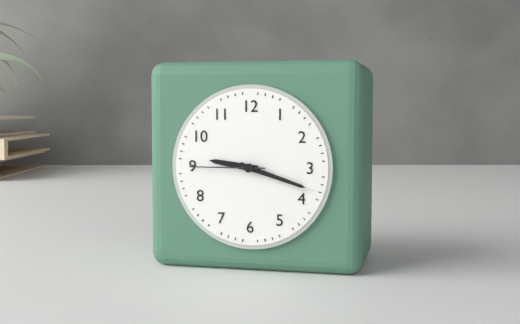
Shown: h=9 m=18 s=45
